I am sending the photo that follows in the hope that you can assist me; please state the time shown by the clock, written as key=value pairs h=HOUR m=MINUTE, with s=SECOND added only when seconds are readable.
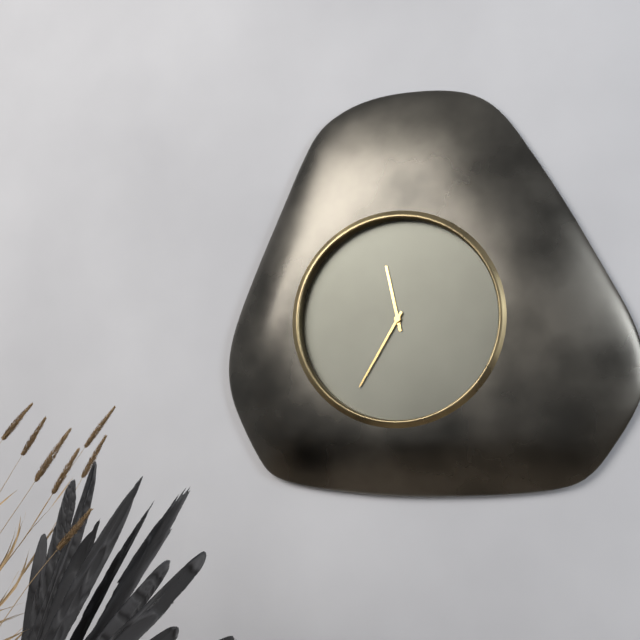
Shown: h=11 m=35
